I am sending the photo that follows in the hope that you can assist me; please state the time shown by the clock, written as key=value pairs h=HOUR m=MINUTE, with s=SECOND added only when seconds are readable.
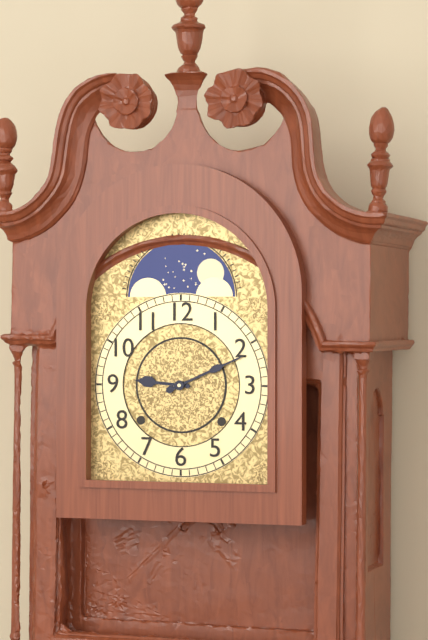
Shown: h=9 m=11
